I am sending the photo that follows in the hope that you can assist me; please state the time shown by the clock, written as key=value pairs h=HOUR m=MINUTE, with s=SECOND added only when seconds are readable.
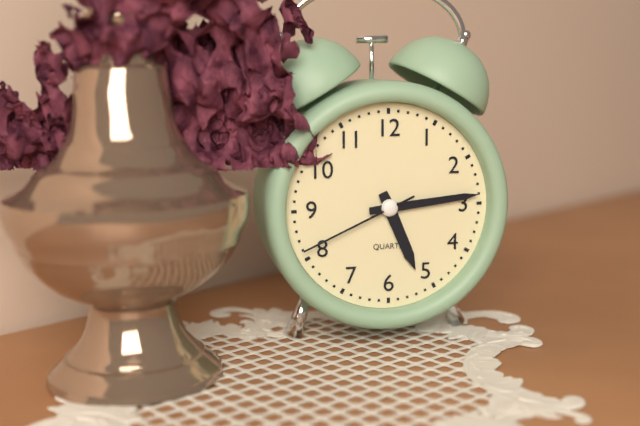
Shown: h=5 m=14 s=41
